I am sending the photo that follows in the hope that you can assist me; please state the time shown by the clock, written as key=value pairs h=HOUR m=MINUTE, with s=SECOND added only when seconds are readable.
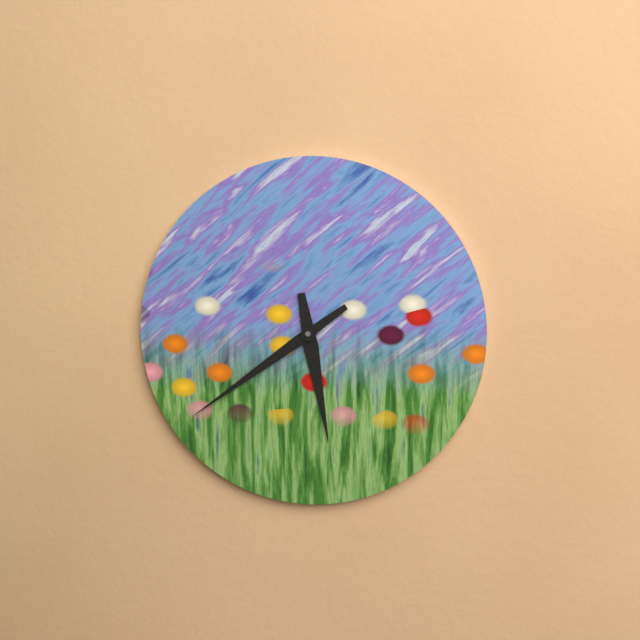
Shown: h=5 m=39
